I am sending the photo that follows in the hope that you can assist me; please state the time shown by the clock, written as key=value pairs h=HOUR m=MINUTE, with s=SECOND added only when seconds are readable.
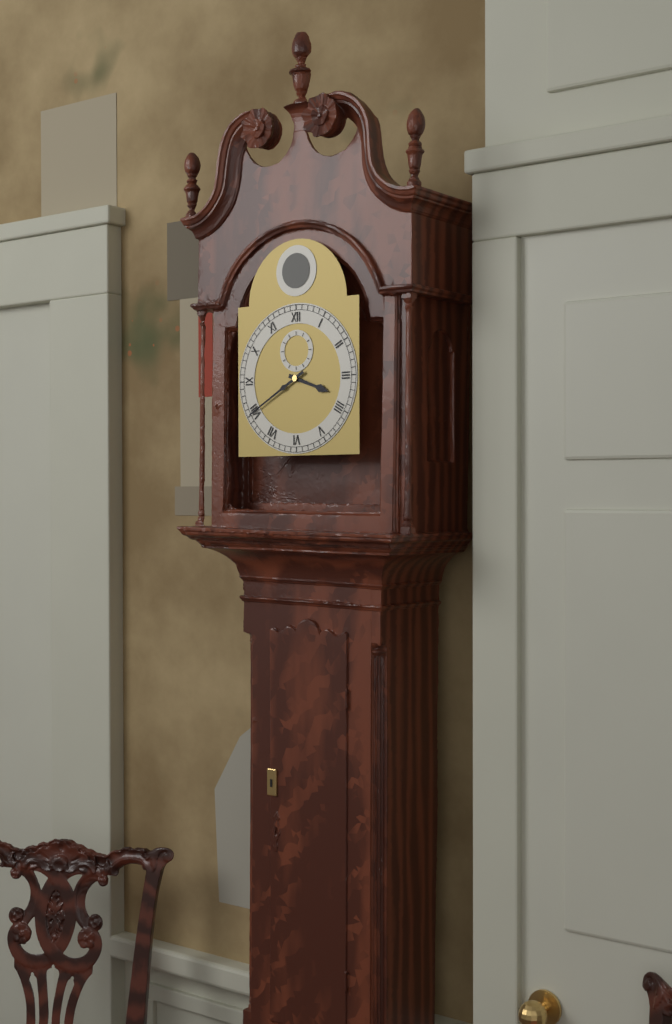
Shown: h=3 m=40
